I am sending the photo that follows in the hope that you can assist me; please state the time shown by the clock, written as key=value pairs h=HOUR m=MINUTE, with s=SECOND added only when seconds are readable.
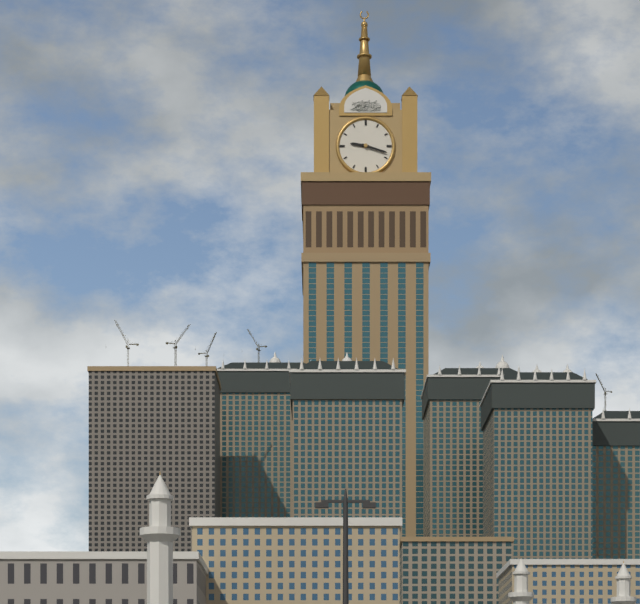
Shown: h=9 m=18
